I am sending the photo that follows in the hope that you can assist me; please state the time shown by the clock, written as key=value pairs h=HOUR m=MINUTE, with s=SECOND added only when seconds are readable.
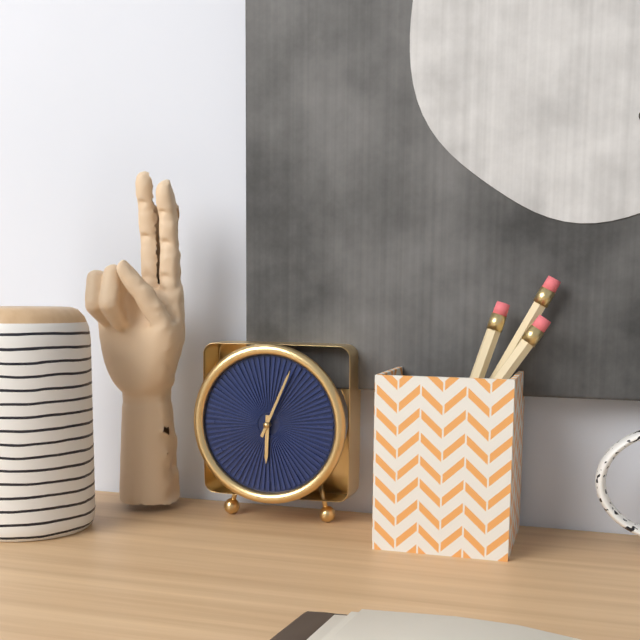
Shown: h=6 m=4
